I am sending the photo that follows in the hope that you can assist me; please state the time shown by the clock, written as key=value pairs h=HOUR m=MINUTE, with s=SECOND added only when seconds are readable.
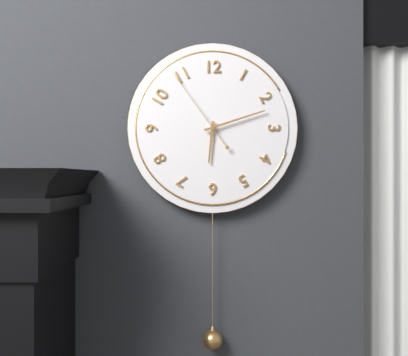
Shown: h=6 m=12 s=54
